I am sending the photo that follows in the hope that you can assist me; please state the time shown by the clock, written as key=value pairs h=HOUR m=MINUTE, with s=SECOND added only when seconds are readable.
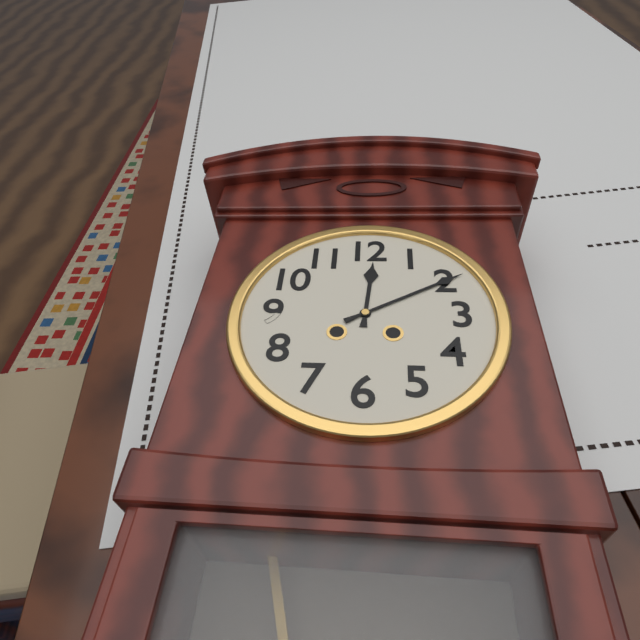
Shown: h=12 m=10
